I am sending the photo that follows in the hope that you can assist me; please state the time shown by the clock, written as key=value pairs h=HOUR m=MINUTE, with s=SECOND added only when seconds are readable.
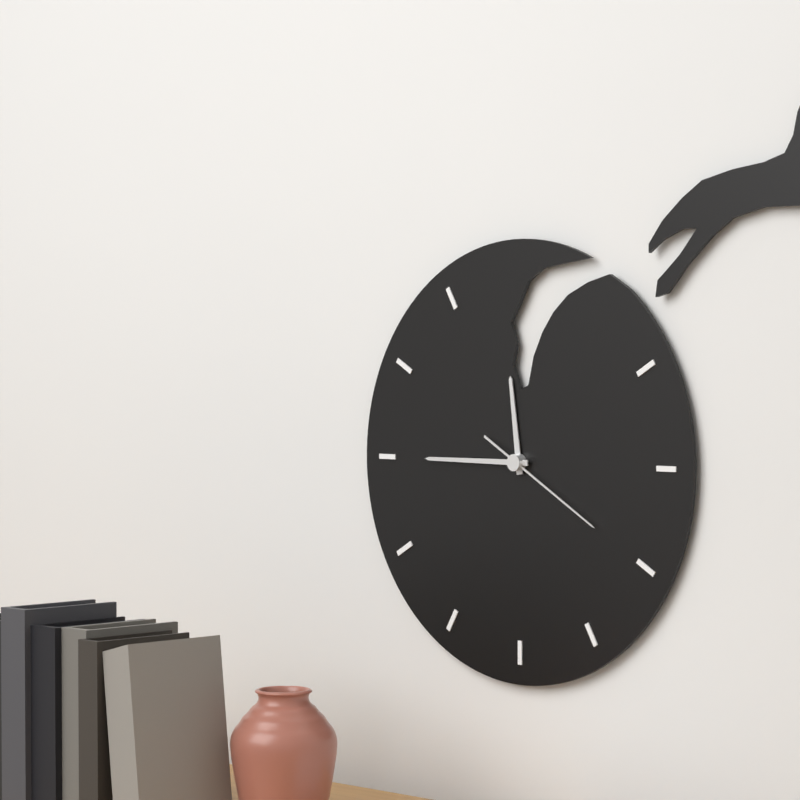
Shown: h=11 m=45 s=20
